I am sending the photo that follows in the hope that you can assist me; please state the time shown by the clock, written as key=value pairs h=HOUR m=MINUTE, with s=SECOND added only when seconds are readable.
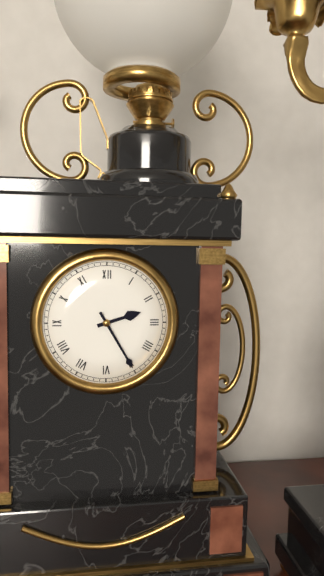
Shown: h=2 m=25
